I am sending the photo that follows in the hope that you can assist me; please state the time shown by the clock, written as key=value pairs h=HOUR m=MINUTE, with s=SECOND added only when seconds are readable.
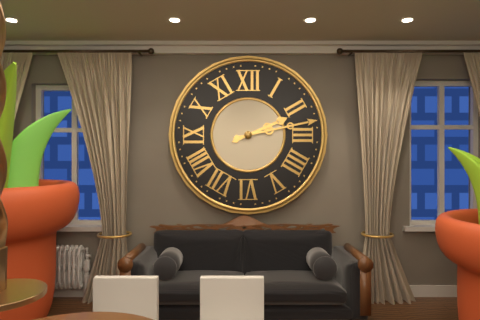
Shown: h=2 m=13
